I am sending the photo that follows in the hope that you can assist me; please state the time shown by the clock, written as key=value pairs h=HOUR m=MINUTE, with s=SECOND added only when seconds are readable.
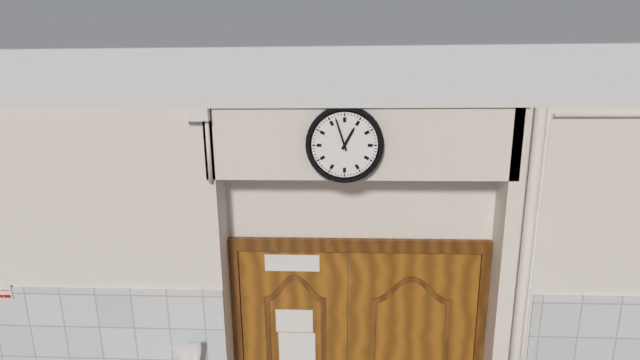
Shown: h=12 m=57
